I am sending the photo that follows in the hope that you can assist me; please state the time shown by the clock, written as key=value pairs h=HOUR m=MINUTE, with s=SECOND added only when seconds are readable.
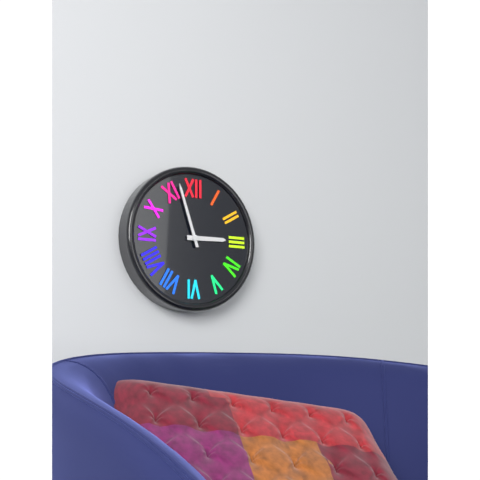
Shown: h=2 m=57
